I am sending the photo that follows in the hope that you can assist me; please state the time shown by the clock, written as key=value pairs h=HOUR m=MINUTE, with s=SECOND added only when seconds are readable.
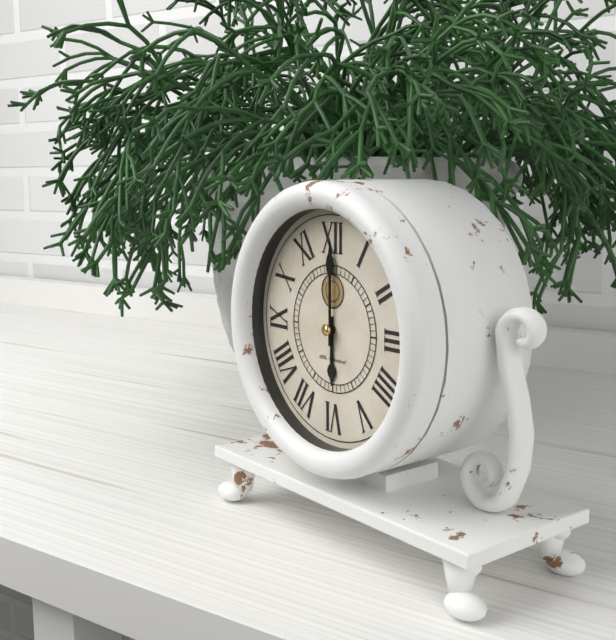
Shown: h=6 m=0
